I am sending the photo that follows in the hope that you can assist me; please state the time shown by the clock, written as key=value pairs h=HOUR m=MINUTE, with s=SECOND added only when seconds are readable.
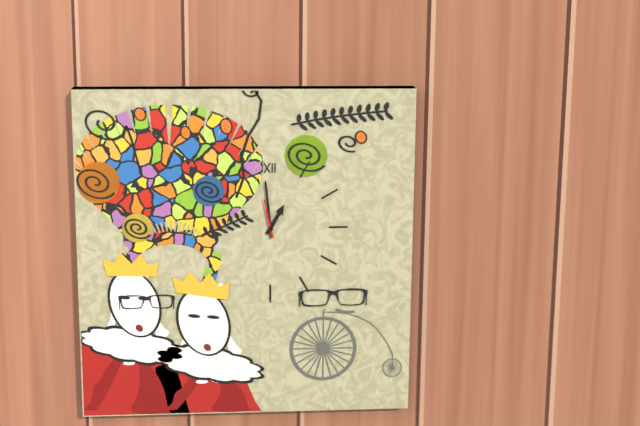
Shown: h=12 m=59
